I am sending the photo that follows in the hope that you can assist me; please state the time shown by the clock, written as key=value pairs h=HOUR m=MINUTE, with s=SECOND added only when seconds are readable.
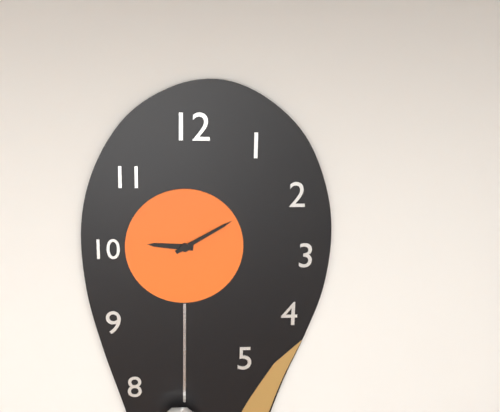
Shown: h=9 m=10
